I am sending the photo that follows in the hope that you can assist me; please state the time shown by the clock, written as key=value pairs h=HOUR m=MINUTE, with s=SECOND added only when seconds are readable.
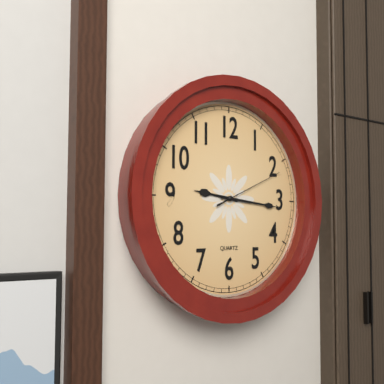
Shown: h=9 m=16 s=11
